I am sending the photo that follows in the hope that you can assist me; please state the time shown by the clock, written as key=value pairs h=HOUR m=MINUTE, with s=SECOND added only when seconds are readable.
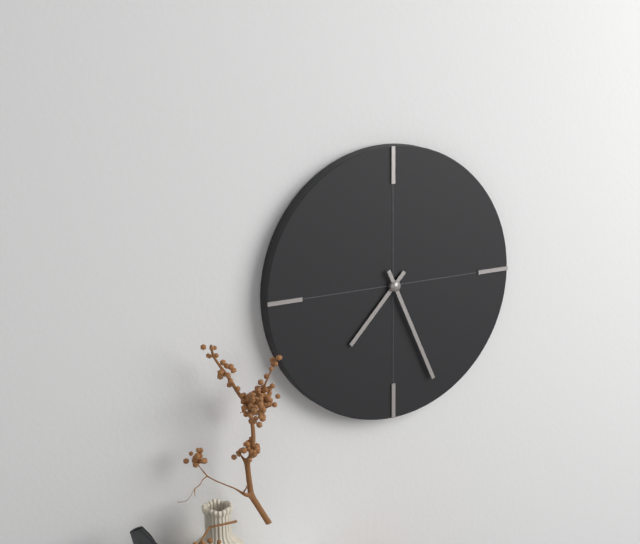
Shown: h=7 m=26
